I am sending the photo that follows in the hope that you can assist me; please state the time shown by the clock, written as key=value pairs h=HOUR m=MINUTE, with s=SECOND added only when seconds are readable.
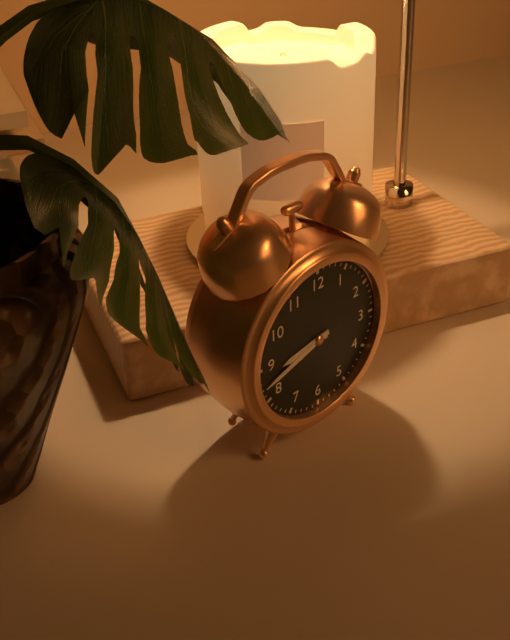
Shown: h=8 m=42
